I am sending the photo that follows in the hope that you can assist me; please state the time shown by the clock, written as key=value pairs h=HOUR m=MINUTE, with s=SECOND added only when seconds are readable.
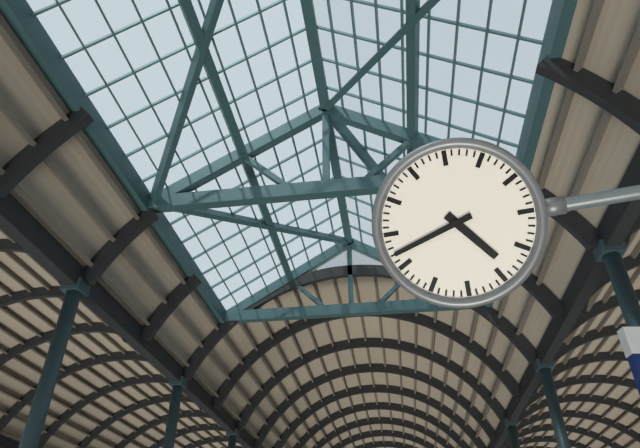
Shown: h=4 m=42
